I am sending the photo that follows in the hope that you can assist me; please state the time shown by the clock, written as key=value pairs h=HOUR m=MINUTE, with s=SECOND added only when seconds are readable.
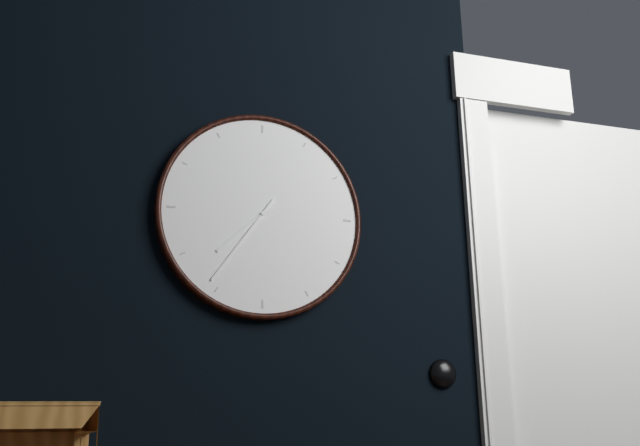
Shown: h=7 m=36
